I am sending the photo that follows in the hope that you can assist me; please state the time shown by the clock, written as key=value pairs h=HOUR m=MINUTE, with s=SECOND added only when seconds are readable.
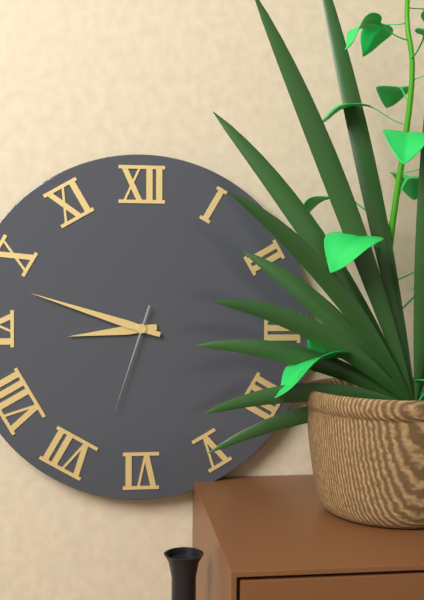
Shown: h=8 m=48 s=33
